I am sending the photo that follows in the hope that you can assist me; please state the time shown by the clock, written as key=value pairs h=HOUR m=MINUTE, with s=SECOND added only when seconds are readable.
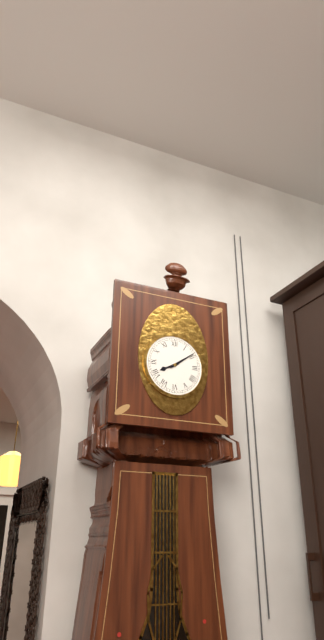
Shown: h=8 m=9
